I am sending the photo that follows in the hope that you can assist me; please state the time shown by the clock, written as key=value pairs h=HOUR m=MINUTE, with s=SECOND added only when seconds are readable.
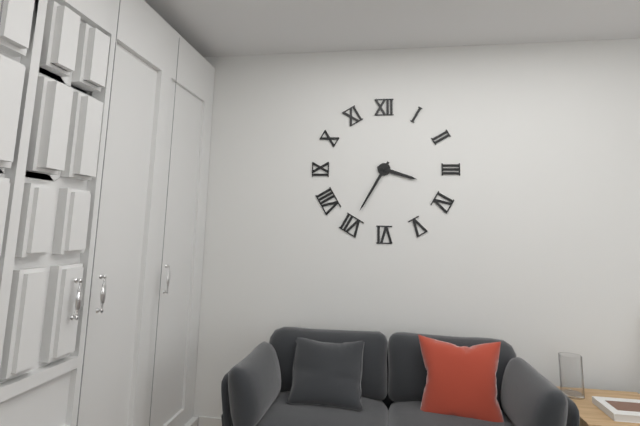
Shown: h=3 m=35
